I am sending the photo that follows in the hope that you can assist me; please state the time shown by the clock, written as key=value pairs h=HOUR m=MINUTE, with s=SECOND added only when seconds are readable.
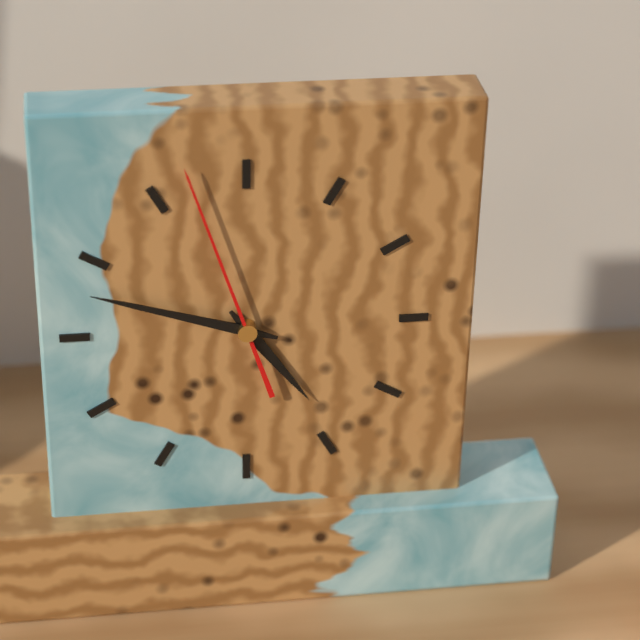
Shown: h=4 m=48 s=57
